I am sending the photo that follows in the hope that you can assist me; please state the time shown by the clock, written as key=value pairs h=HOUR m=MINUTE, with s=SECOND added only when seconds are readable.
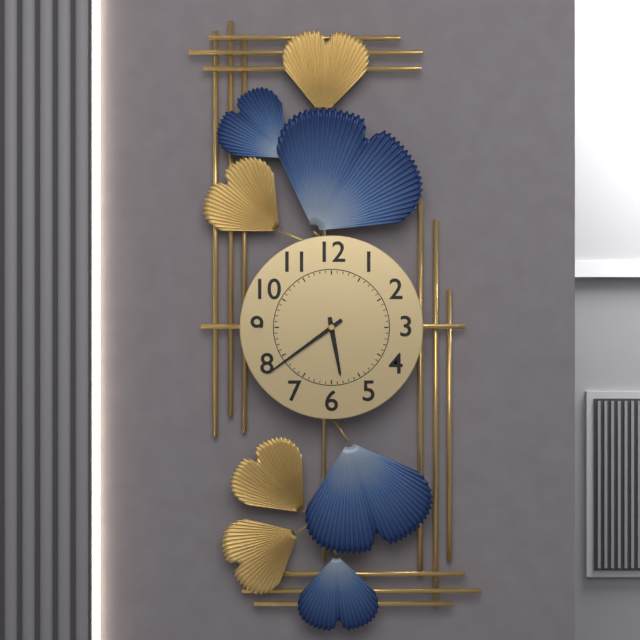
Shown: h=5 m=39
